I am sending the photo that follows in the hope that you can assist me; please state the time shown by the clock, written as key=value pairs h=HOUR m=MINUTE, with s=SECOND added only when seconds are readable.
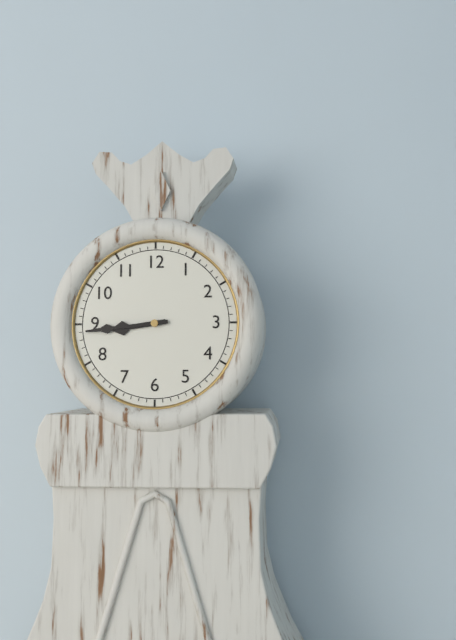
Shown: h=8 m=44
